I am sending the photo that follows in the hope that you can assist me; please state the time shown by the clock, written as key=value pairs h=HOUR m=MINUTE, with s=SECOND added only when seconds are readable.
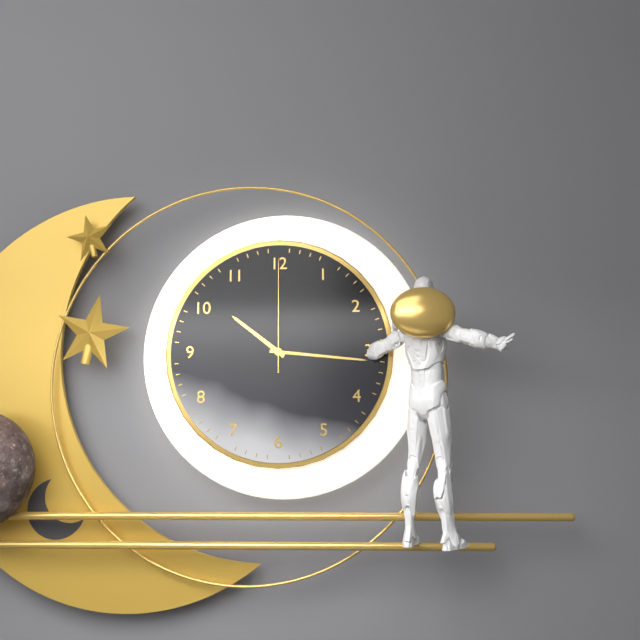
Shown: h=10 m=16 s=0
